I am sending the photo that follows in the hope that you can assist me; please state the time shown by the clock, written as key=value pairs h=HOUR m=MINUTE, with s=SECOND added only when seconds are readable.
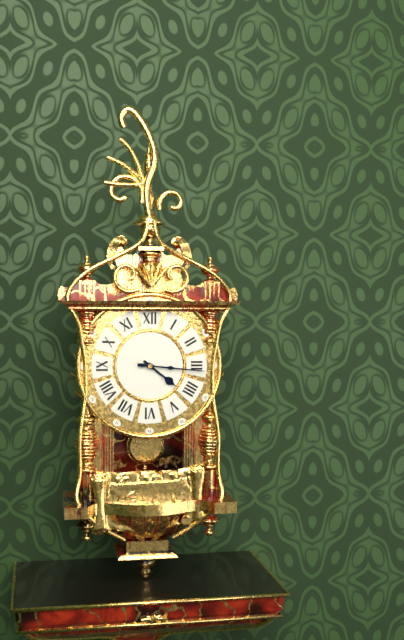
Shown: h=4 m=16
